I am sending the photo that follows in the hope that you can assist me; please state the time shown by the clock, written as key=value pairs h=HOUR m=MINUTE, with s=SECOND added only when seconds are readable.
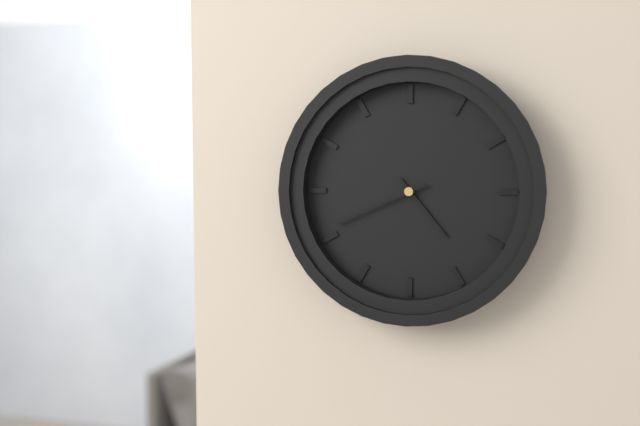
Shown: h=4 m=41
